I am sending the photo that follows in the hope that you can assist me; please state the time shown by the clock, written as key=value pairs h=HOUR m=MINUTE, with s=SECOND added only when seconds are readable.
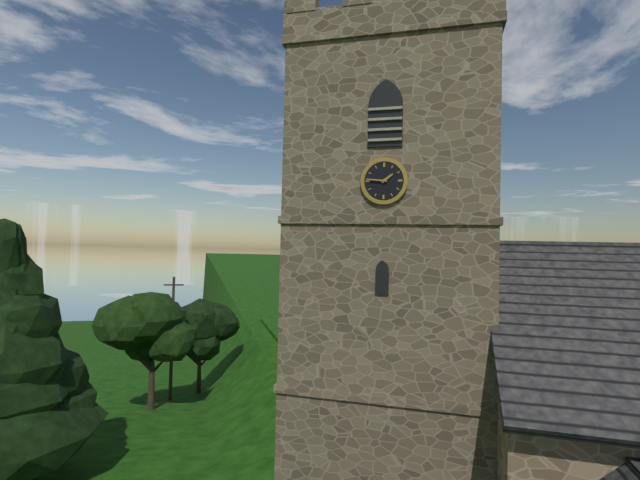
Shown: h=1 m=46
